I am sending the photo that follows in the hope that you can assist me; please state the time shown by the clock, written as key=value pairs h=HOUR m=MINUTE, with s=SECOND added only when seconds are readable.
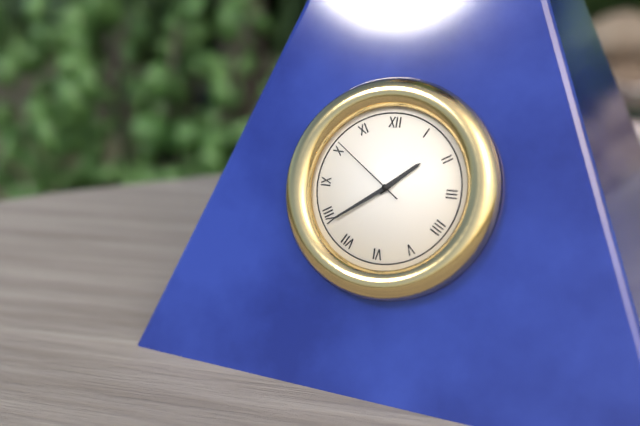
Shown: h=1 m=39 s=51
